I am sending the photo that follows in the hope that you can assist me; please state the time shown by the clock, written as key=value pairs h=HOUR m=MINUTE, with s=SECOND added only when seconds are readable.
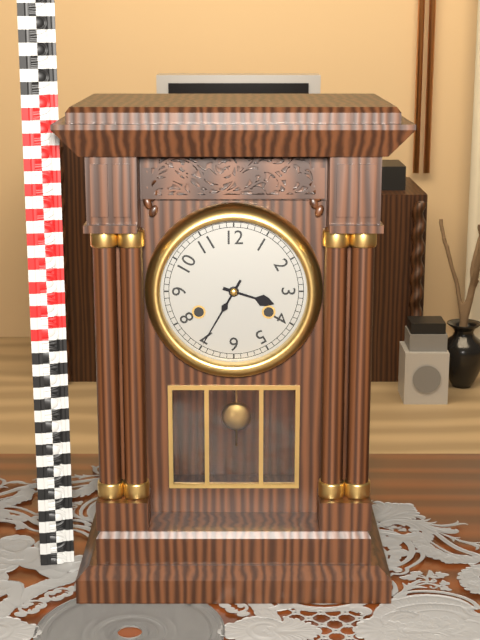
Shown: h=3 m=35
